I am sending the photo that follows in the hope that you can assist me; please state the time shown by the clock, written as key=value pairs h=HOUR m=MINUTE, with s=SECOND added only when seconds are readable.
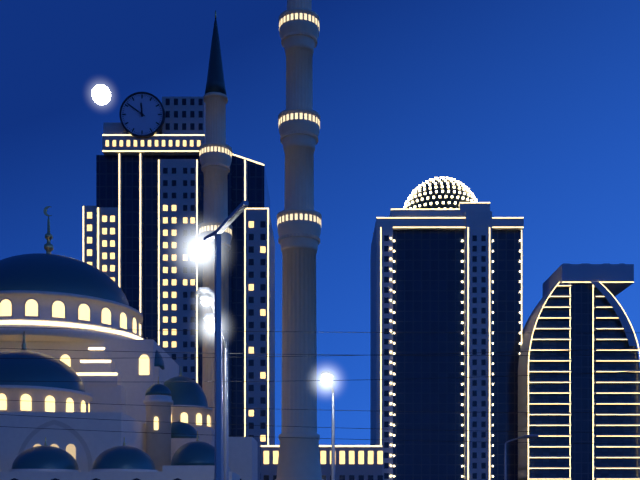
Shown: h=11 m=51
